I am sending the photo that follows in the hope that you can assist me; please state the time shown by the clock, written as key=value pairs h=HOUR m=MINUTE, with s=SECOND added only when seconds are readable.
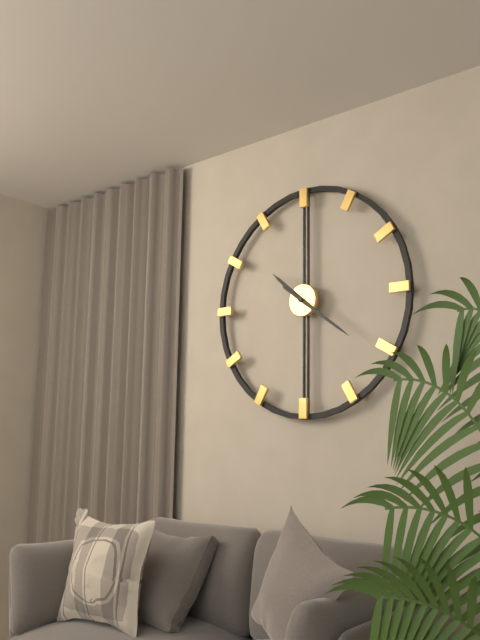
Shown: h=10 m=21
